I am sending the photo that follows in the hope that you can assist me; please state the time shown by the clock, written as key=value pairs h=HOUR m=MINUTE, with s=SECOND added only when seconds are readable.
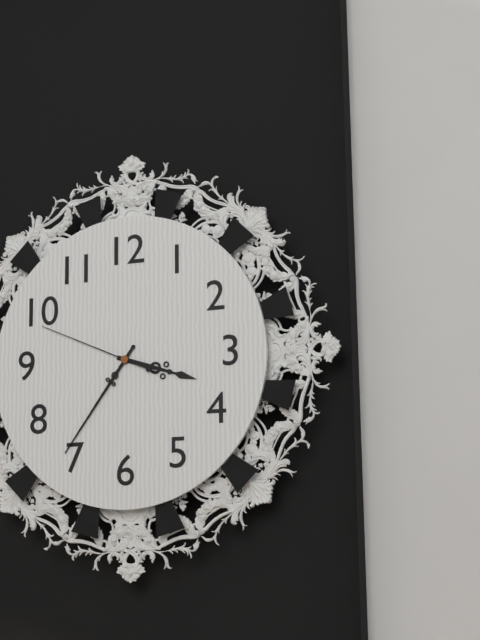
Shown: h=3 m=36 s=49
